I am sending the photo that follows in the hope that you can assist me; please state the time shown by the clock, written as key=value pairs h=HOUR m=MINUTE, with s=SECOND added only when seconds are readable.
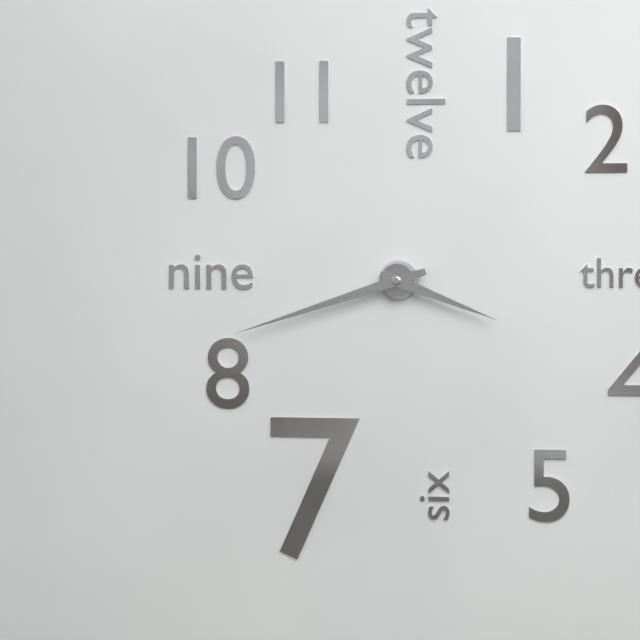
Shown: h=3 m=42
